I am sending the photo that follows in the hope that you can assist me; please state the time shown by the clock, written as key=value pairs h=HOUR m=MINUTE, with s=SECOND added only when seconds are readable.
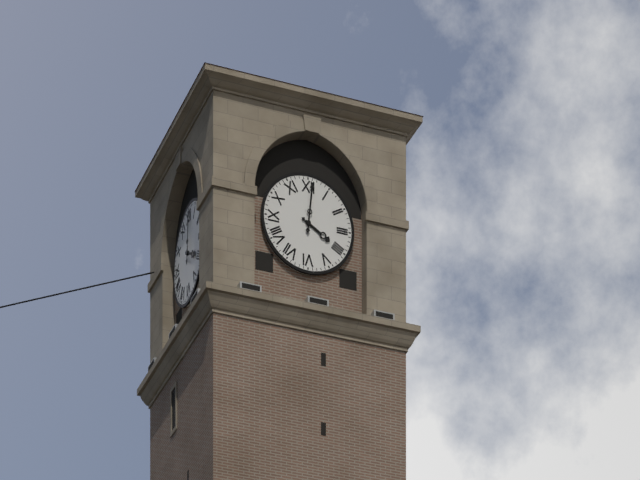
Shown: h=4 m=1
